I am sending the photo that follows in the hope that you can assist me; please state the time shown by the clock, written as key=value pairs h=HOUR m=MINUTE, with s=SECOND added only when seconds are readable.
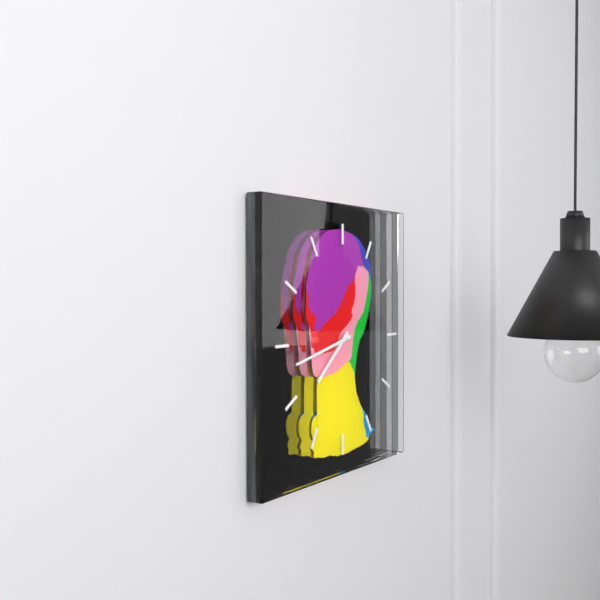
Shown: h=7 m=43
